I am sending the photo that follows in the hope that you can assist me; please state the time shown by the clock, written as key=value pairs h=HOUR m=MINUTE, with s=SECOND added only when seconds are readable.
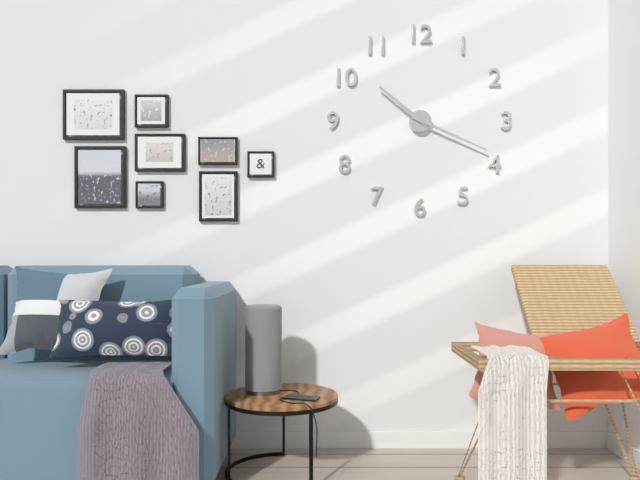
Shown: h=10 m=19
